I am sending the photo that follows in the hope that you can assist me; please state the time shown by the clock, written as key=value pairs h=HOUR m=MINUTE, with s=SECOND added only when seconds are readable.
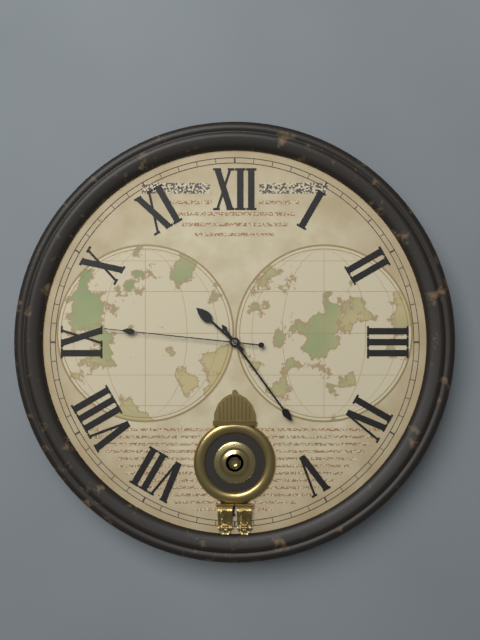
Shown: h=10 m=24 s=46
